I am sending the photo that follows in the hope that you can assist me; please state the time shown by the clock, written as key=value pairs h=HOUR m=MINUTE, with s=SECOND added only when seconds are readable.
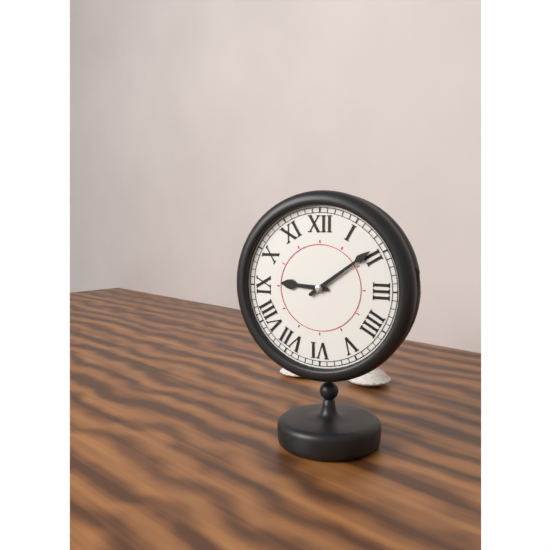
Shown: h=9 m=9
